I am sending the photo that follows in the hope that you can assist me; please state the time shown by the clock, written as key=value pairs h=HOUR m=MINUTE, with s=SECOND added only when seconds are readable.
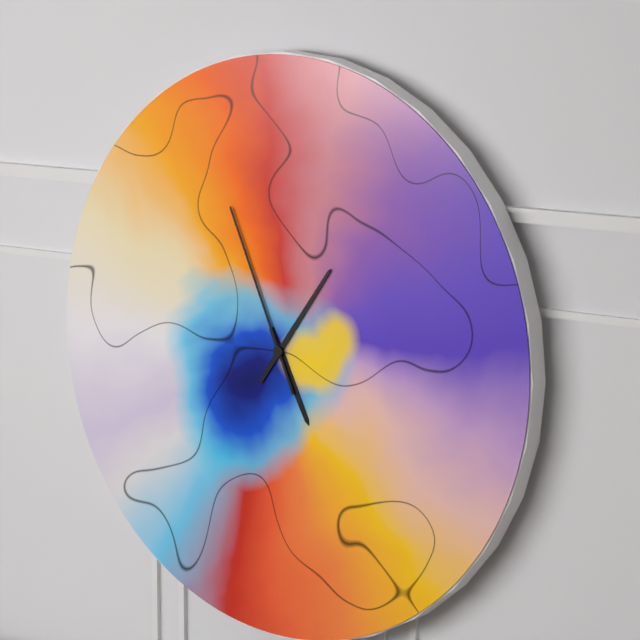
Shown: h=5 m=6 s=56
